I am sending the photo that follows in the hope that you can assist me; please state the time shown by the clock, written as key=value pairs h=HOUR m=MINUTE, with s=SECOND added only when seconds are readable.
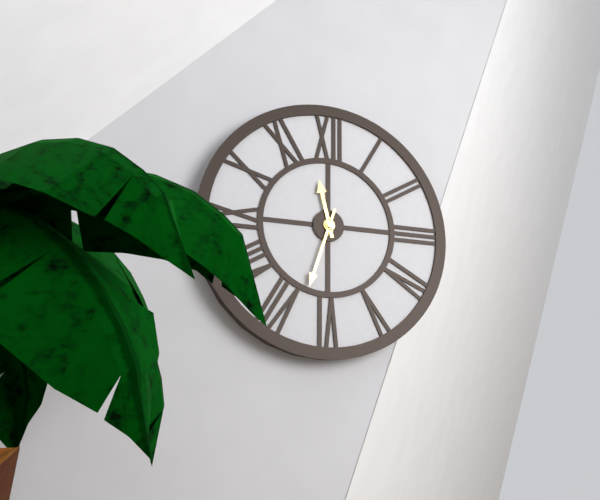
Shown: h=11 m=33
